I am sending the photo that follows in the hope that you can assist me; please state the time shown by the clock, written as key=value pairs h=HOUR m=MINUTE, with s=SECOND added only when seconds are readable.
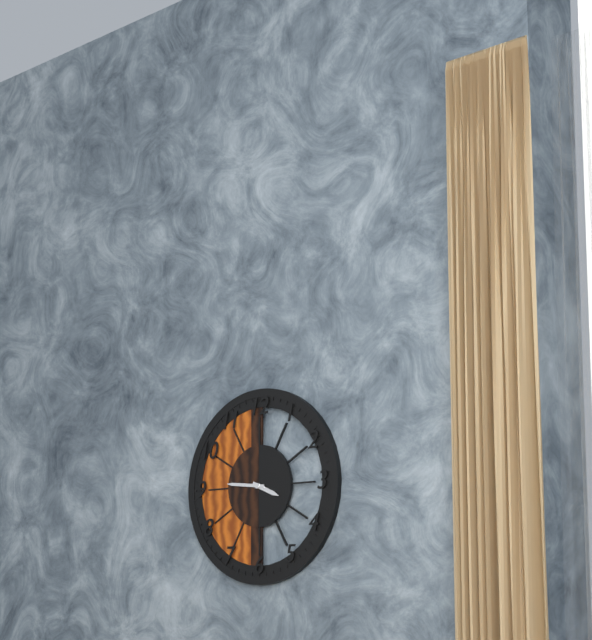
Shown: h=3 m=46
